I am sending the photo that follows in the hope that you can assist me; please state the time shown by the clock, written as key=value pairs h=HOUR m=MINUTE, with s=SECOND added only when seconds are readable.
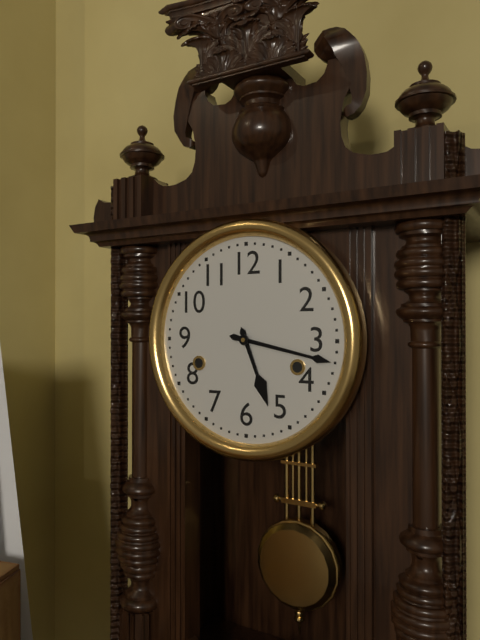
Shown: h=5 m=17
